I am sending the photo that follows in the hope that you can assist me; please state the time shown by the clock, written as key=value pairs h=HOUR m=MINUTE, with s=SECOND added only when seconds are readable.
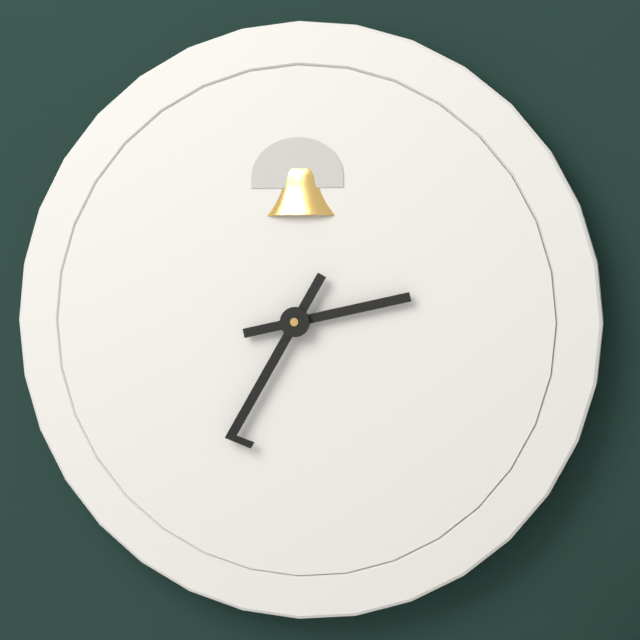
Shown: h=2 m=35
